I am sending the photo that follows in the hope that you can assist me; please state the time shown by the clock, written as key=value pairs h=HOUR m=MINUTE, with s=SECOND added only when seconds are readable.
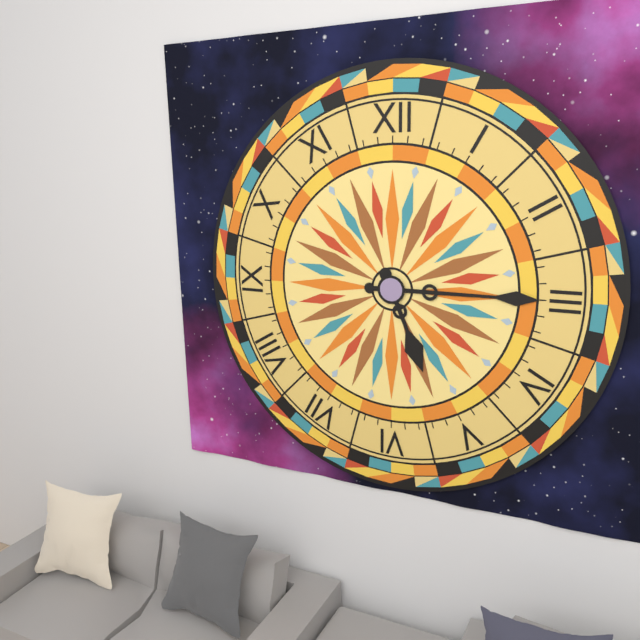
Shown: h=5 m=15
